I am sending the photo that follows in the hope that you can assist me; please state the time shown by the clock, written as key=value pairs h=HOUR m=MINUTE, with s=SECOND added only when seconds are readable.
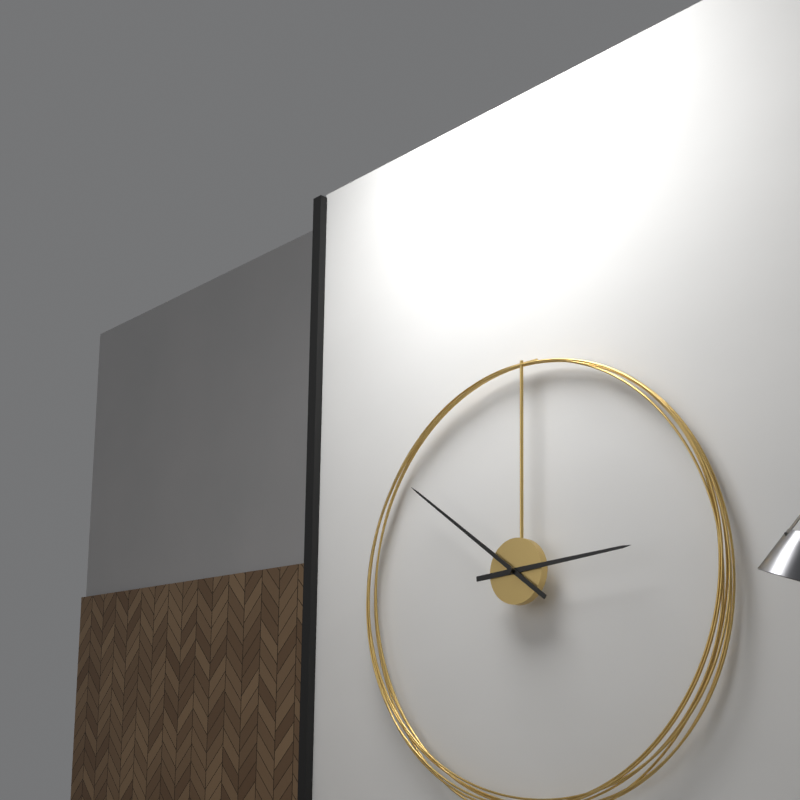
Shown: h=2 m=51
